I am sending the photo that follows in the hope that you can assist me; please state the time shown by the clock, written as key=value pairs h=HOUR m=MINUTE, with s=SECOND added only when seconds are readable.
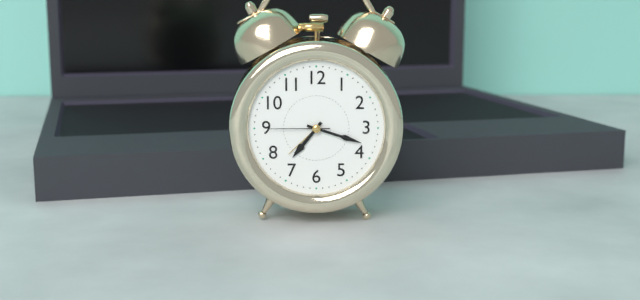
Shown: h=7 m=18 s=45
